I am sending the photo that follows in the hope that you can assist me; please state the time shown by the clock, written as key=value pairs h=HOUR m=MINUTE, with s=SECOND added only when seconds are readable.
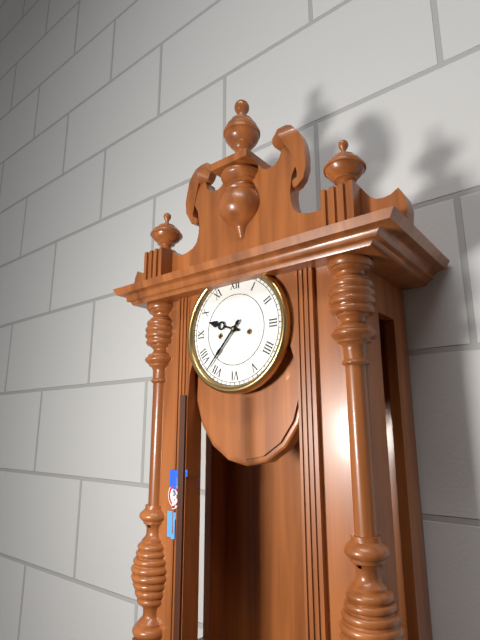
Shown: h=9 m=37
